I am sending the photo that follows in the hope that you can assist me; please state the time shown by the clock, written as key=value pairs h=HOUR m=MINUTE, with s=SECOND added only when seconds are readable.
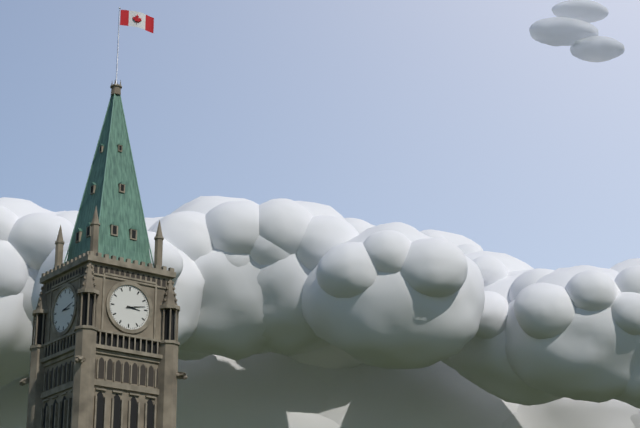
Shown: h=3 m=13
